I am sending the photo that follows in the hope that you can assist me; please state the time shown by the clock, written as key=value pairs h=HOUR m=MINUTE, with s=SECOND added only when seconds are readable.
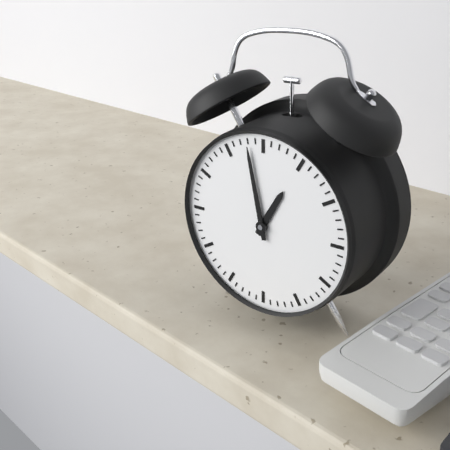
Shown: h=12 m=58
